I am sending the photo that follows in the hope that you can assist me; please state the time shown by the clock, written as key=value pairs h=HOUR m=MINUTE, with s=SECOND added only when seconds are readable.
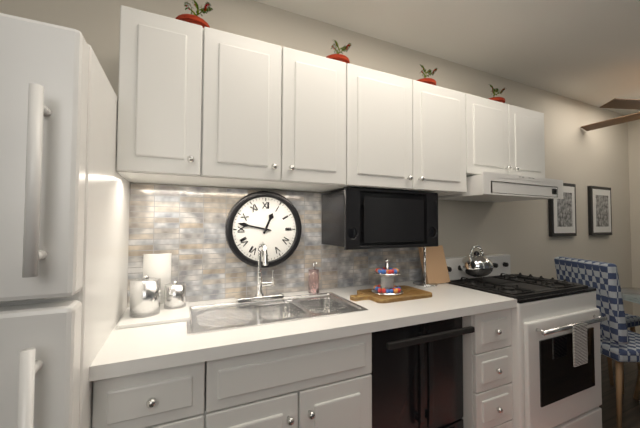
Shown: h=12 m=47
